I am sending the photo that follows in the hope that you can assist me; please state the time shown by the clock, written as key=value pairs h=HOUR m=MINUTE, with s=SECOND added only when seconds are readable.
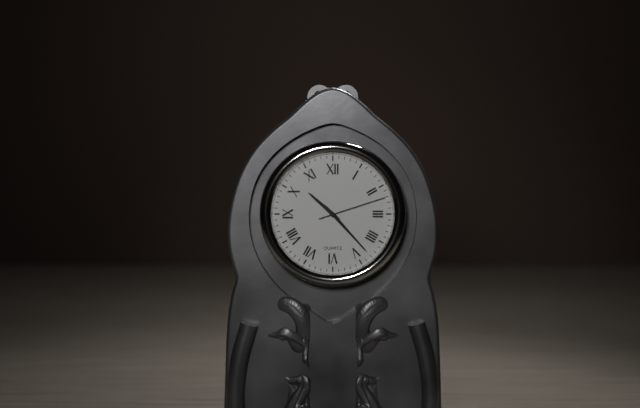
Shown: h=10 m=23 s=12
